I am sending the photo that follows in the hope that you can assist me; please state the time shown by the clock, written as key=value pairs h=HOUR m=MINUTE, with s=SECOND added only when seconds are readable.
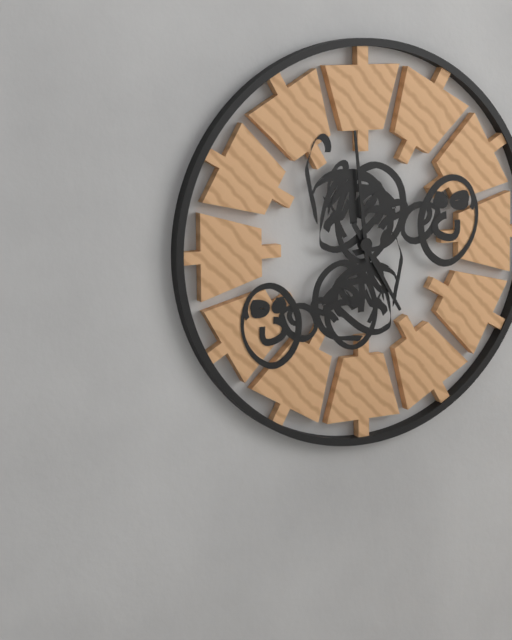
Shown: h=4 m=59
